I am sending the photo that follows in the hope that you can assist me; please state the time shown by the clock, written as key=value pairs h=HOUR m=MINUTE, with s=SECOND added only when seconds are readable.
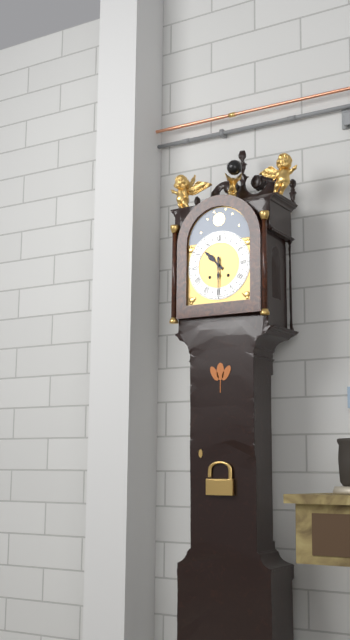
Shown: h=10 m=30
